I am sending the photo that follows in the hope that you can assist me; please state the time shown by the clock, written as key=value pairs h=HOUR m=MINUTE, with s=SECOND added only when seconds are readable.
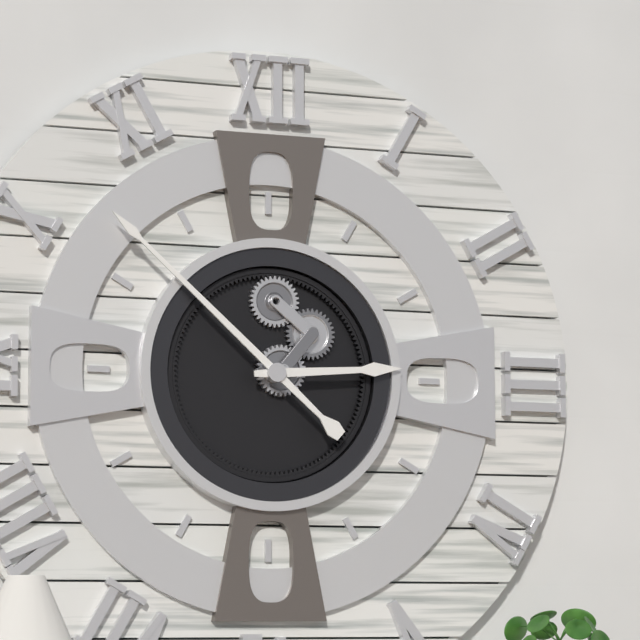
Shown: h=2 m=52
